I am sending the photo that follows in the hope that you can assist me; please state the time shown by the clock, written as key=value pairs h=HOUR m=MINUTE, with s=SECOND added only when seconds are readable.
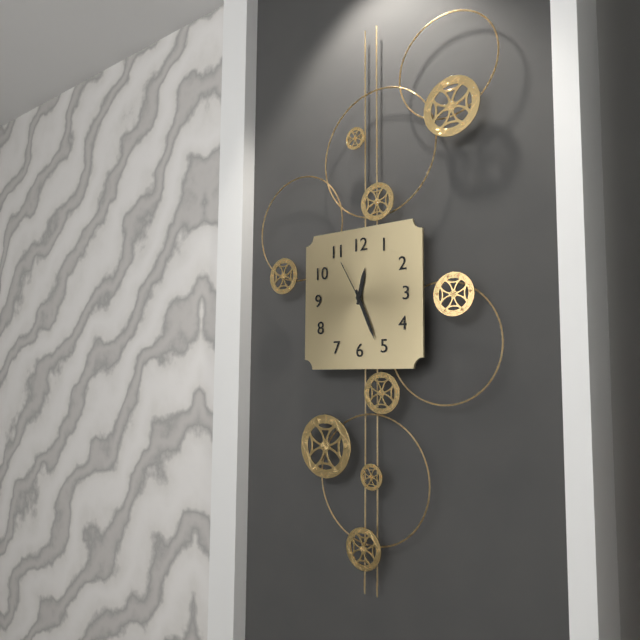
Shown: h=12 m=26 s=55
